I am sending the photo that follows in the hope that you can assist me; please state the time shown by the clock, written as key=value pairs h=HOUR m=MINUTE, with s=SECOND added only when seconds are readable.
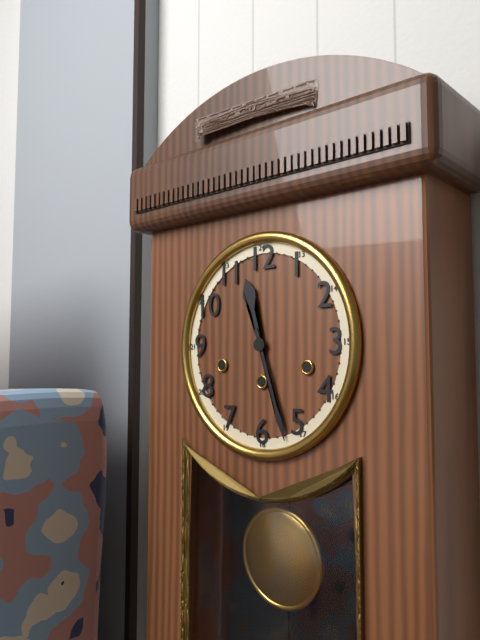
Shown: h=11 m=27
